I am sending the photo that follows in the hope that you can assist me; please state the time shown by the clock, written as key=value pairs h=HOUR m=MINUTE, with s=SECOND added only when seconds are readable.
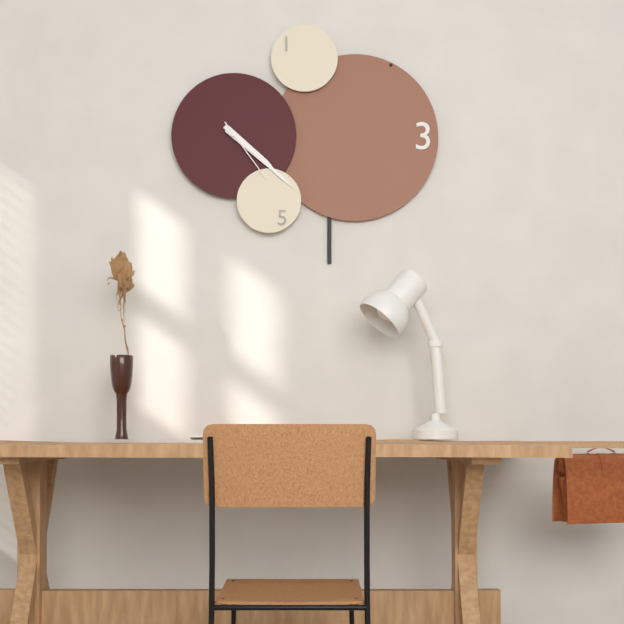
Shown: h=4 m=22 s=24
